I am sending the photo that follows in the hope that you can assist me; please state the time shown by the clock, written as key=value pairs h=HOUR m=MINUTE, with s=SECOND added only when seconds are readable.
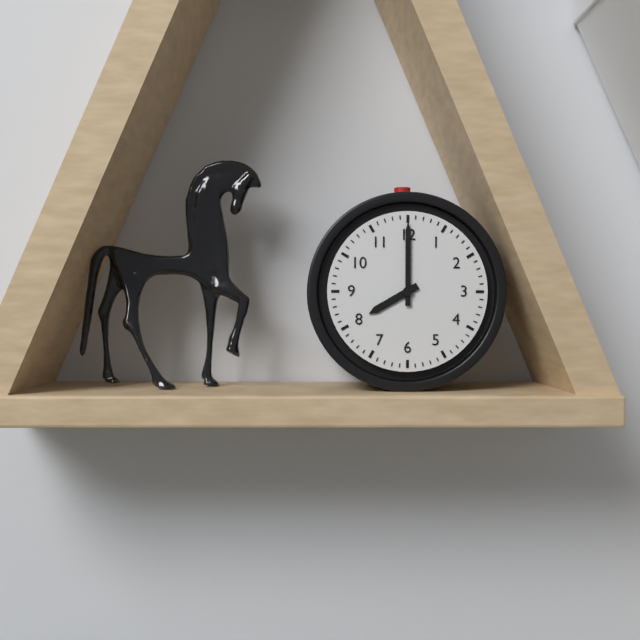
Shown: h=8 m=0
